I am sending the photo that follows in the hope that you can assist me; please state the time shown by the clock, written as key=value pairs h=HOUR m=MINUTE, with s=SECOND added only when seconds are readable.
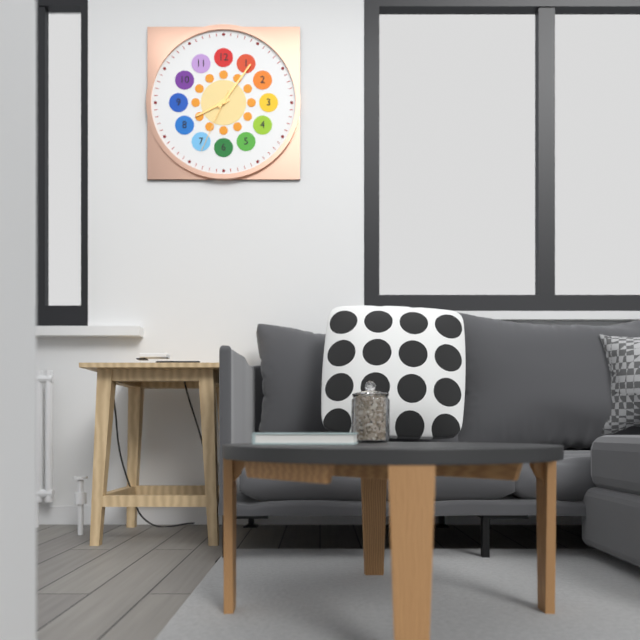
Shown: h=8 m=6 s=34
